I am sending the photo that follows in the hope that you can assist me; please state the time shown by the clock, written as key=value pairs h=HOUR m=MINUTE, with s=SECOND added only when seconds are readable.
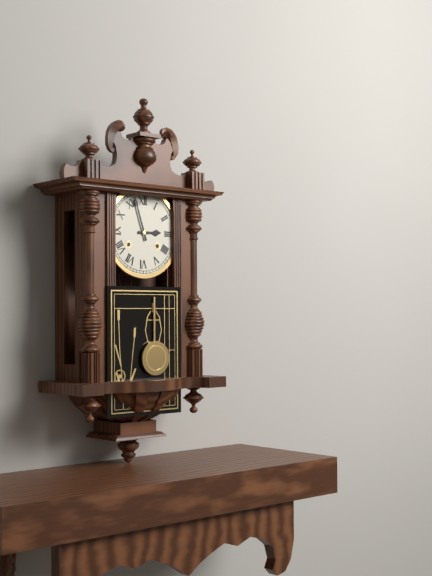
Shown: h=2 m=57
